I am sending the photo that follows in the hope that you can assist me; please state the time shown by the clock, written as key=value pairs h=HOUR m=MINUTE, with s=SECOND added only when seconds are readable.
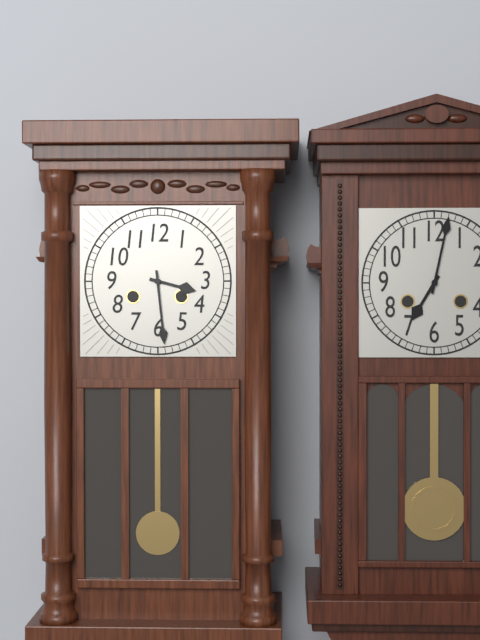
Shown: h=3 m=29
